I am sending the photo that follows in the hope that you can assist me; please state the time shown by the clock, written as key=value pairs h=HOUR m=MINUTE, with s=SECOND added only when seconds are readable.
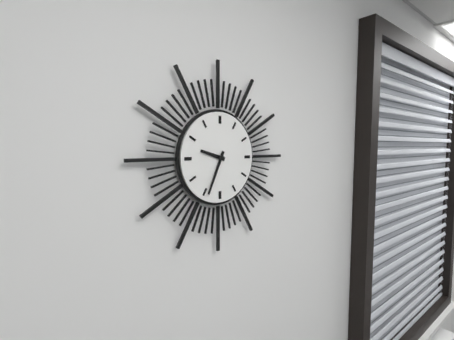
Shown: h=9 m=34
